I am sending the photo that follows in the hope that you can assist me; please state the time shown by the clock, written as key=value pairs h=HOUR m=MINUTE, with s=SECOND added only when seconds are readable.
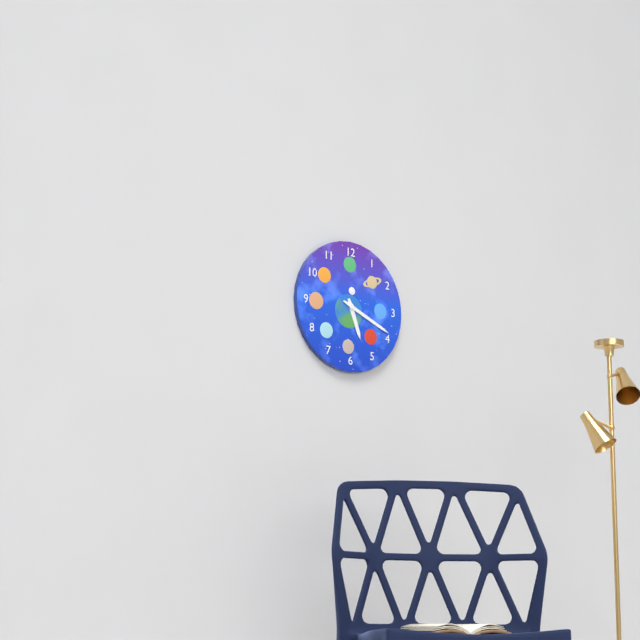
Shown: h=5 m=19
